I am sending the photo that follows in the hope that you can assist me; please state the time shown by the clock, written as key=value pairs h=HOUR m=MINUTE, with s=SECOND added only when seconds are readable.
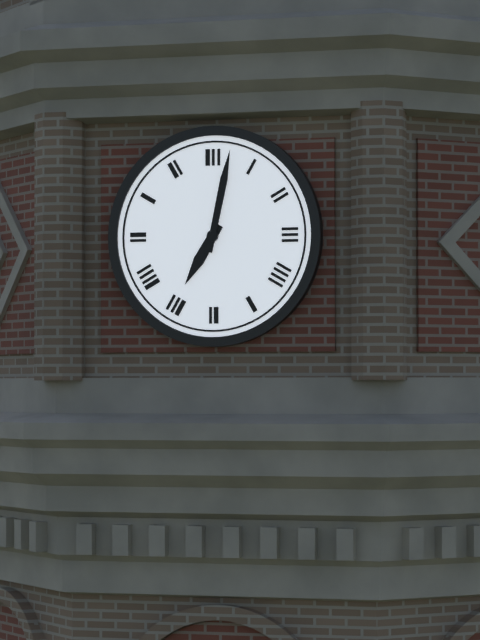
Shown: h=7 m=2
